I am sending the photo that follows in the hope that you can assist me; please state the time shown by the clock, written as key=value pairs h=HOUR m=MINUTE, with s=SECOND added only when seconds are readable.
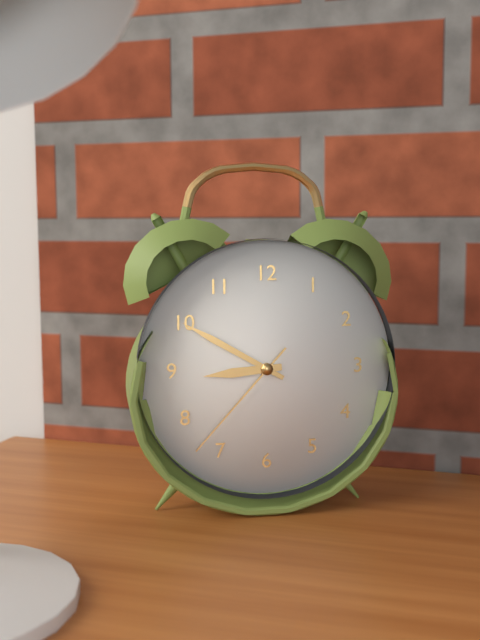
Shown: h=8 m=50 s=37
